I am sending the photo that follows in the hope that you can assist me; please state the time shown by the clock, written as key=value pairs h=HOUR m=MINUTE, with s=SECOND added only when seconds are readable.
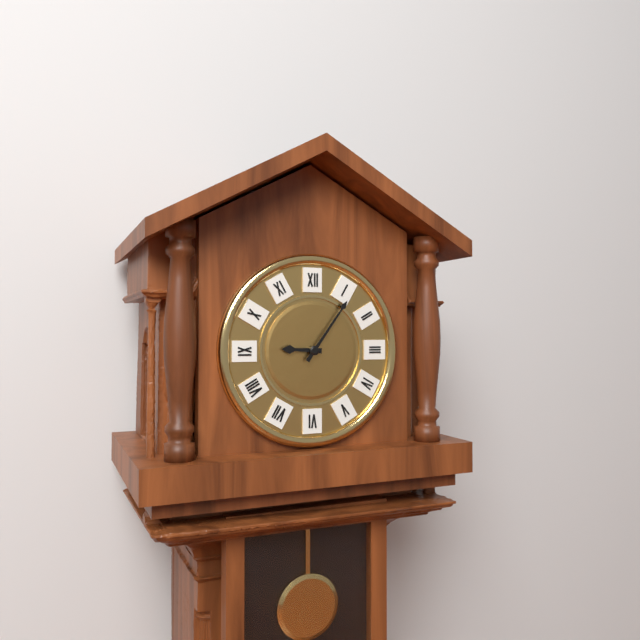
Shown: h=9 m=6
